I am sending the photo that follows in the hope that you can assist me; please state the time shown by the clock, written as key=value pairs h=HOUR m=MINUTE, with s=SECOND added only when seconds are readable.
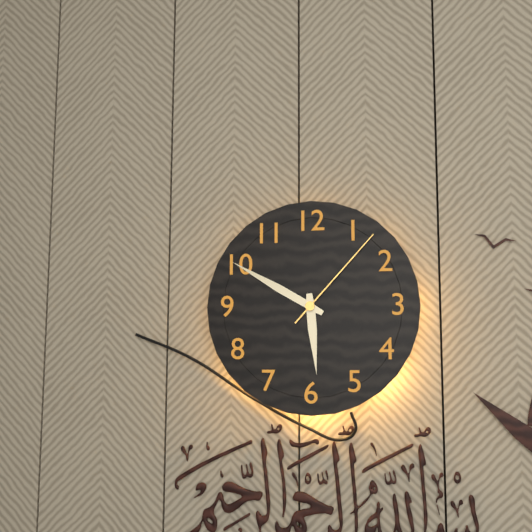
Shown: h=5 m=50 s=7
